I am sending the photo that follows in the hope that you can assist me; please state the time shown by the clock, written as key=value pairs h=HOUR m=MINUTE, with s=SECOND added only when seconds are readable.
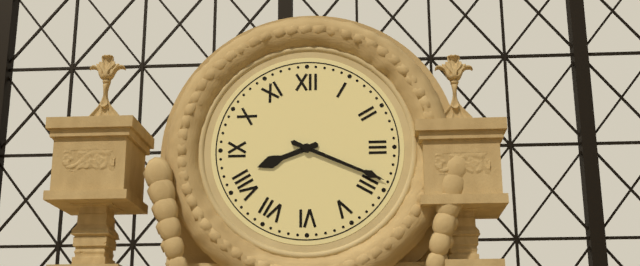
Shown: h=8 m=19
